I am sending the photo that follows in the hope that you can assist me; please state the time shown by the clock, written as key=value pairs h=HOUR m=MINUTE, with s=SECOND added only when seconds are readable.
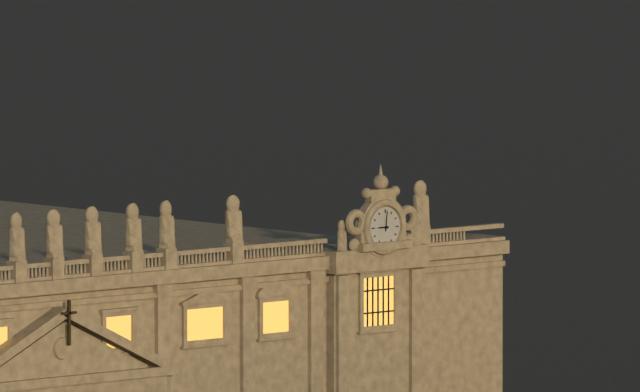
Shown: h=9 m=1
